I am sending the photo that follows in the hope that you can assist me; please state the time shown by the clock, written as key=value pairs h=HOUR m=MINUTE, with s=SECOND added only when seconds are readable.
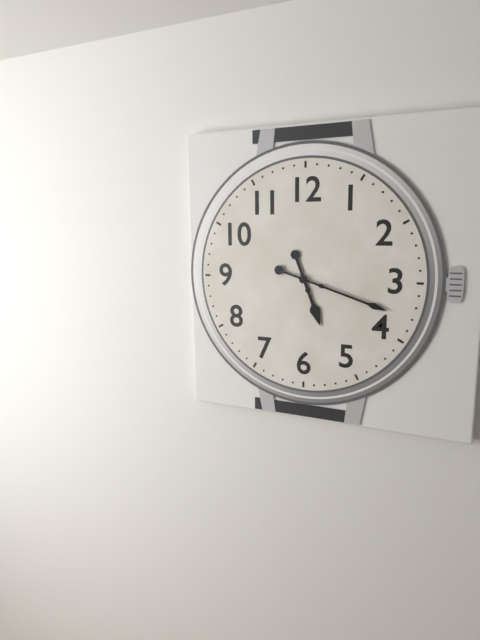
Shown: h=5 m=18
